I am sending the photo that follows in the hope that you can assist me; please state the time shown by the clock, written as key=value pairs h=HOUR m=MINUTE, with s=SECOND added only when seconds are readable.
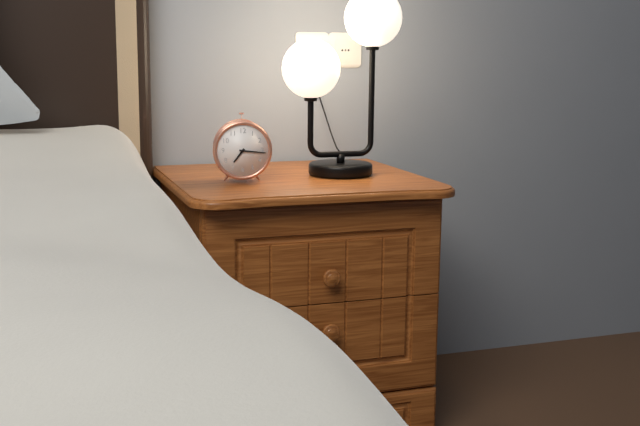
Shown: h=7 m=16
